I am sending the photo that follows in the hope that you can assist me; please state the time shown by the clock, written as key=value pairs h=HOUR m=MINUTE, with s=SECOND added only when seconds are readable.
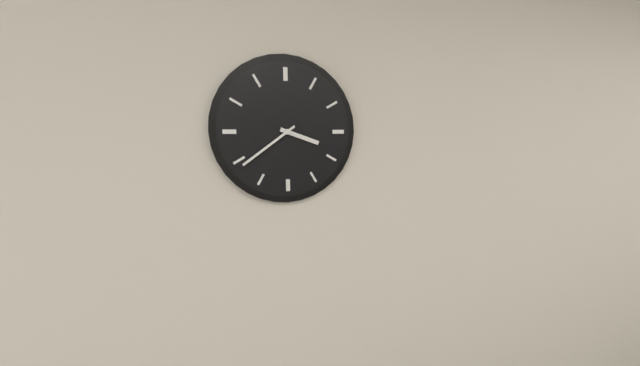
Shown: h=3 m=39
